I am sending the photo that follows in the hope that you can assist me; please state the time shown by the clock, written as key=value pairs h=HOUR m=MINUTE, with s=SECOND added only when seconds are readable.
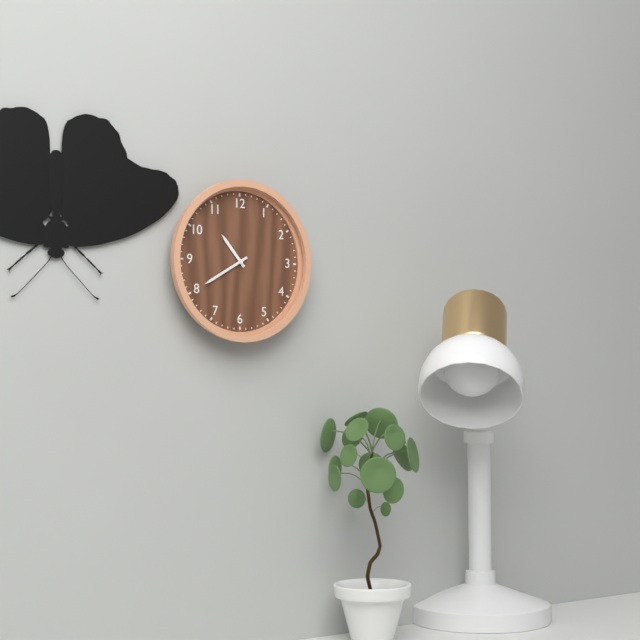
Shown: h=10 m=40
